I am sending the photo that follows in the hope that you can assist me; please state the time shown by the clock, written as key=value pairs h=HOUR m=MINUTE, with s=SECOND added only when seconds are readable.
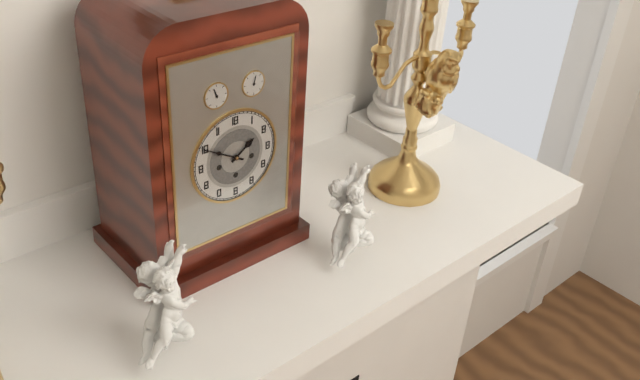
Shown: h=1 m=50
